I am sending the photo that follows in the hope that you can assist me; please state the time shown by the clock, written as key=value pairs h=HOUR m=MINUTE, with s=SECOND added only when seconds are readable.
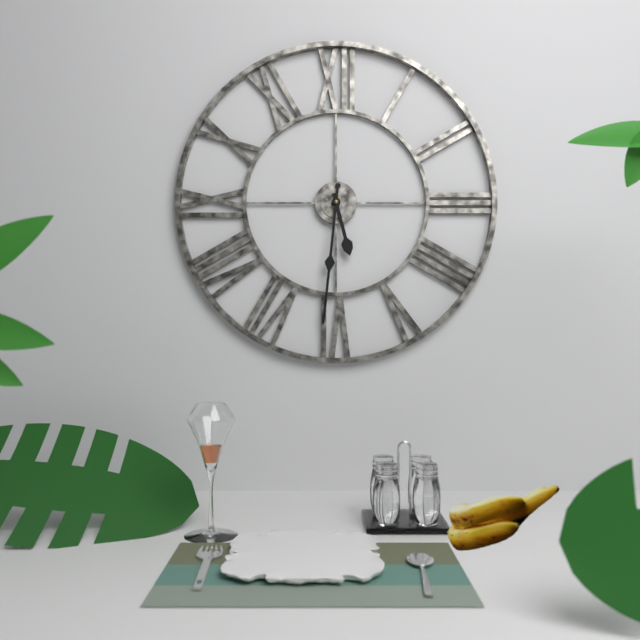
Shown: h=5 m=31
